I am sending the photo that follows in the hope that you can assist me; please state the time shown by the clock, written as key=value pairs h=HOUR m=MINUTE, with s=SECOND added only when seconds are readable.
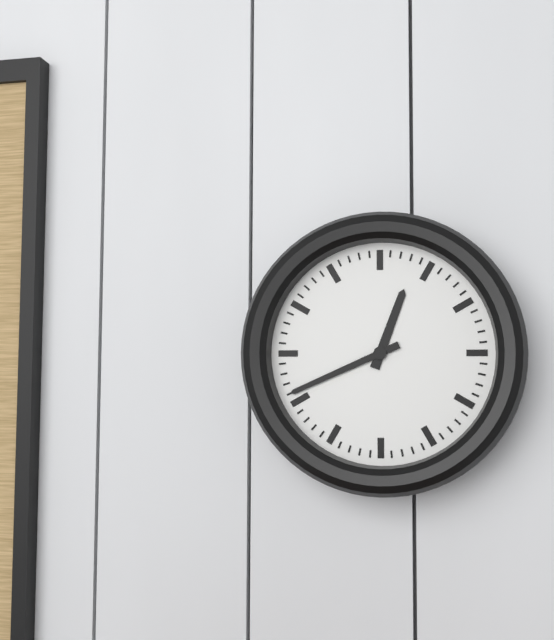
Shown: h=12 m=41
